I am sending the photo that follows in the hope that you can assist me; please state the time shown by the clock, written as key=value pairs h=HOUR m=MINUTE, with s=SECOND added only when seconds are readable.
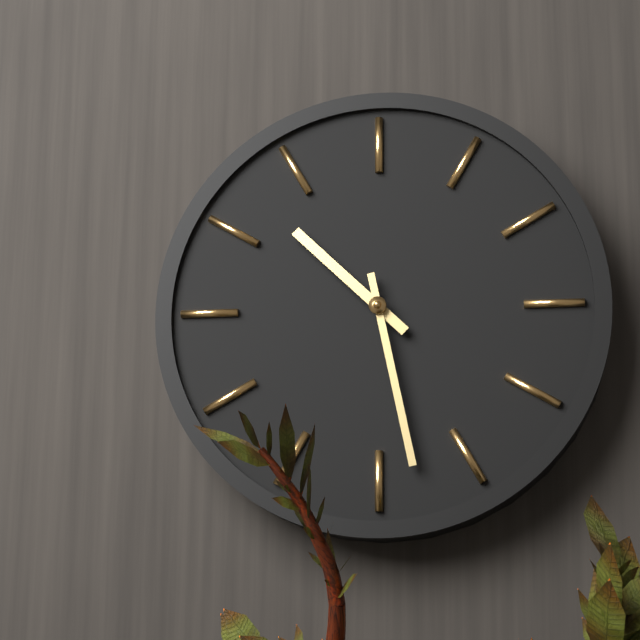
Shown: h=10 m=28
